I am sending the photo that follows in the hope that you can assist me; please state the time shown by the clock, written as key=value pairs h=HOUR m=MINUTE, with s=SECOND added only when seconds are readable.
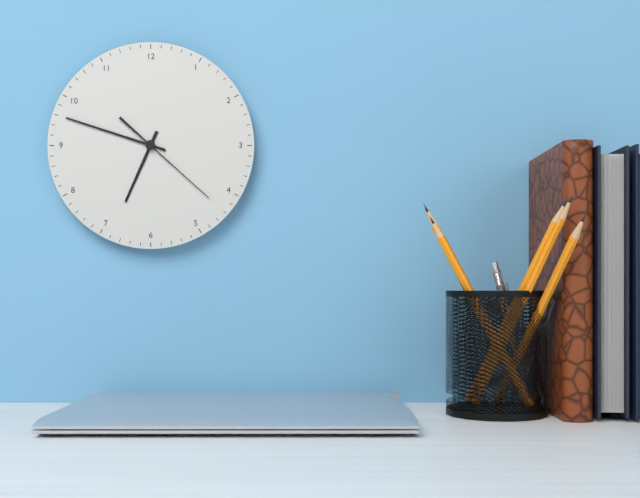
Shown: h=6 m=48 s=22
